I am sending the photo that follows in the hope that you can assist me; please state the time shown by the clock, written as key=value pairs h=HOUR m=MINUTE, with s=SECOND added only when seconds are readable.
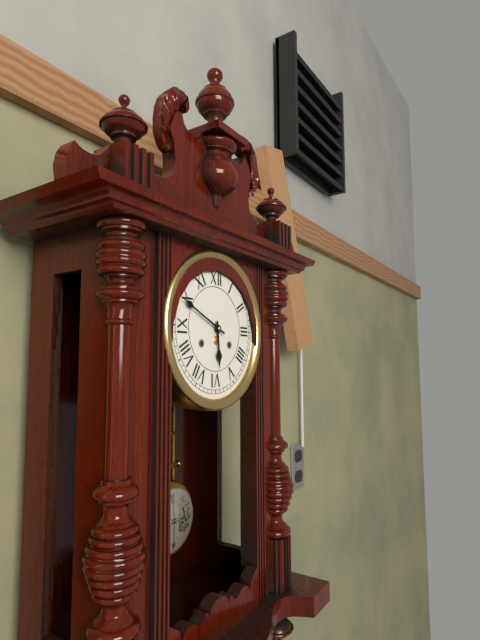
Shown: h=5 m=49
